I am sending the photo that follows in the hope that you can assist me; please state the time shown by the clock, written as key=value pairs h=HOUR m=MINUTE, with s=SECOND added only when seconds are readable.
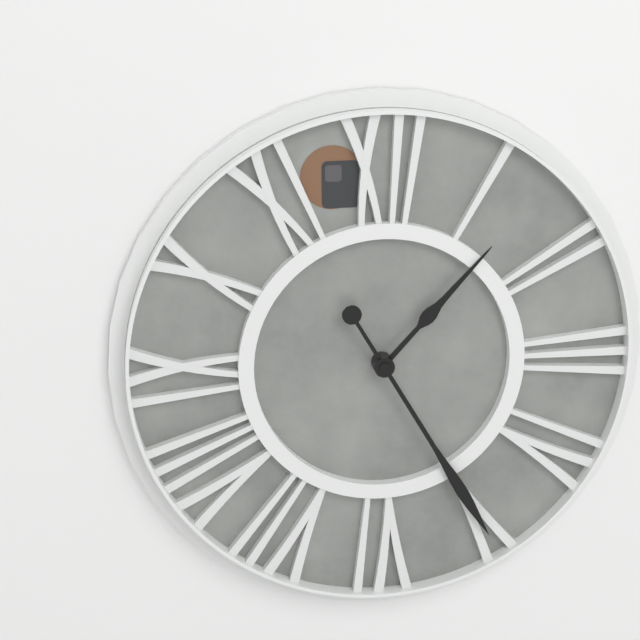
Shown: h=1 m=25
